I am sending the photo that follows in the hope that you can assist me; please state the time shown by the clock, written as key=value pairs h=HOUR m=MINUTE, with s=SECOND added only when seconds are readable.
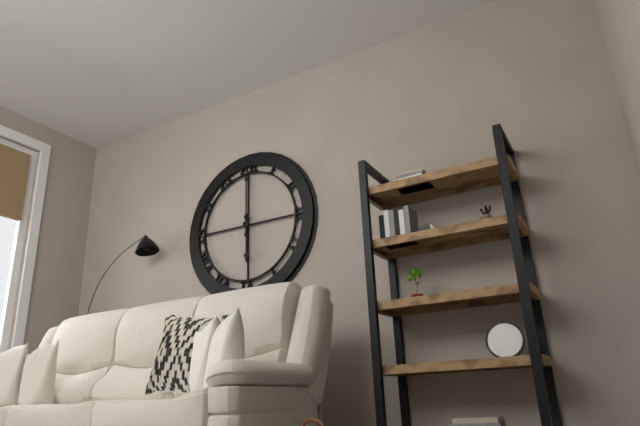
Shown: h=6 m=0
